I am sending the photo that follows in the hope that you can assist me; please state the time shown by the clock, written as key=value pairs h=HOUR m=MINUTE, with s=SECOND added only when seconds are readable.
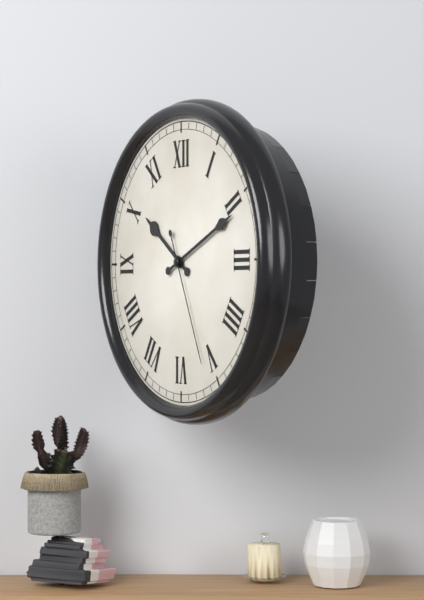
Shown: h=10 m=11 s=26
